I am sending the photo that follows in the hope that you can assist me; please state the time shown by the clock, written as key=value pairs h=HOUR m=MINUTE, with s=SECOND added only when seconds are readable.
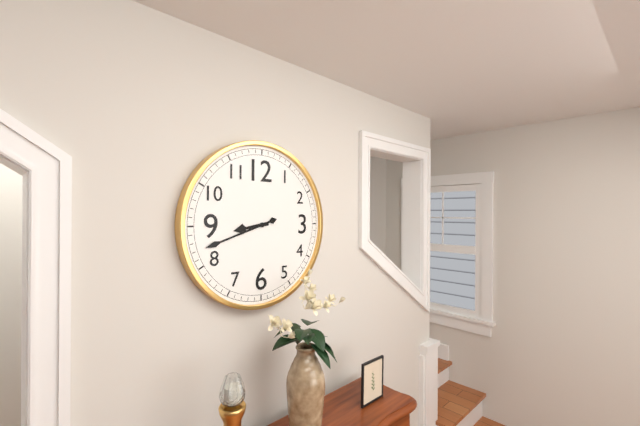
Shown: h=8 m=42
